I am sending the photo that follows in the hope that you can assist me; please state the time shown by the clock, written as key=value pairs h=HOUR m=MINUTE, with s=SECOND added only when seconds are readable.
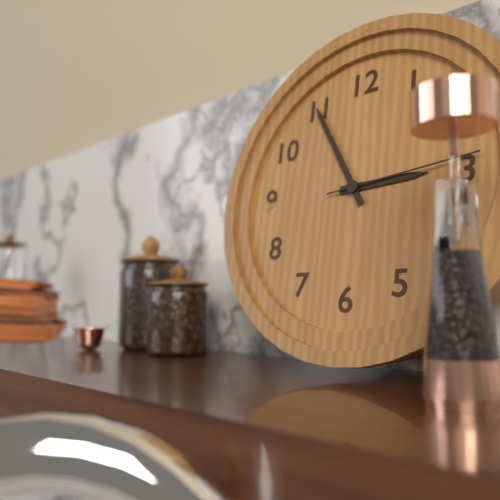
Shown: h=2 m=55 s=14
